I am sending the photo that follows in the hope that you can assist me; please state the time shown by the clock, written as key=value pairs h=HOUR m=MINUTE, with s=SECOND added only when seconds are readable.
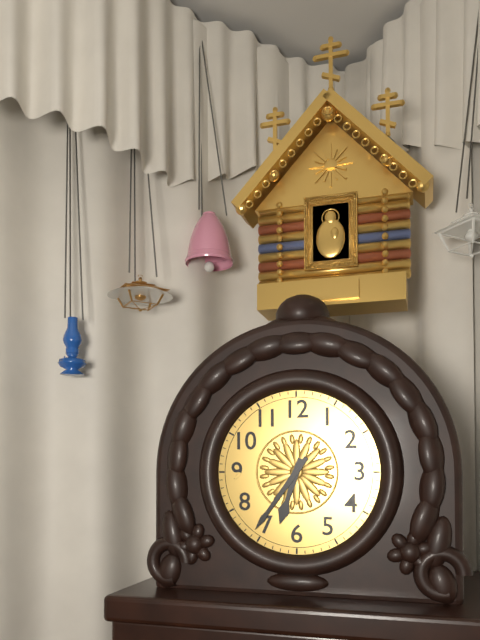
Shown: h=6 m=36
